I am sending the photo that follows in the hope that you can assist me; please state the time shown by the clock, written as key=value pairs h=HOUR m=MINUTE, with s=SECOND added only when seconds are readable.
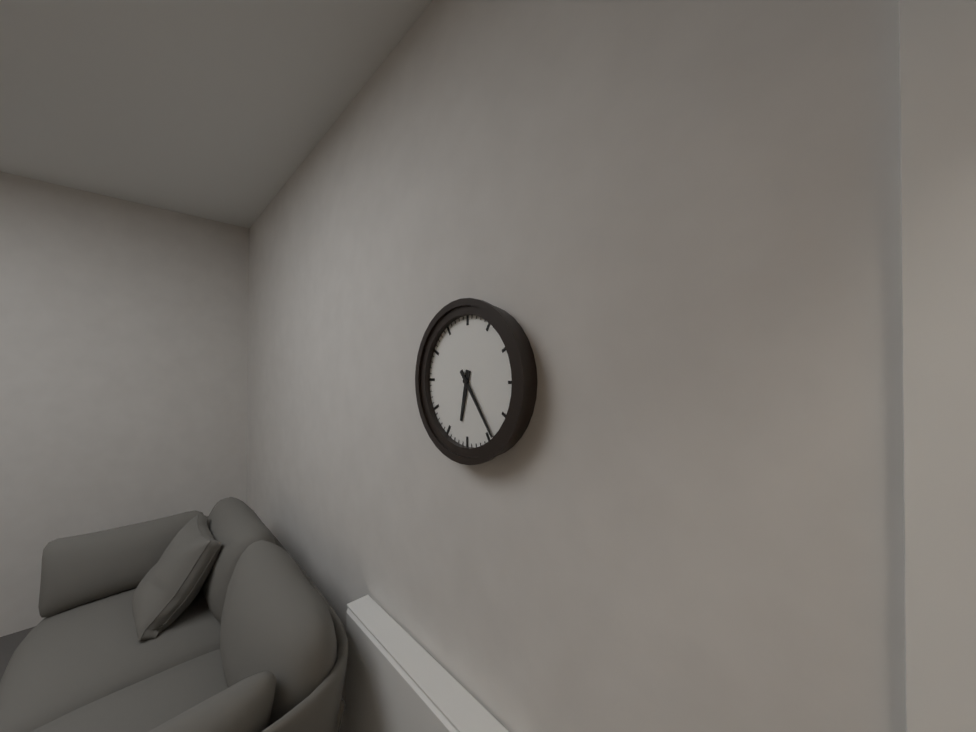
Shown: h=6 m=24
